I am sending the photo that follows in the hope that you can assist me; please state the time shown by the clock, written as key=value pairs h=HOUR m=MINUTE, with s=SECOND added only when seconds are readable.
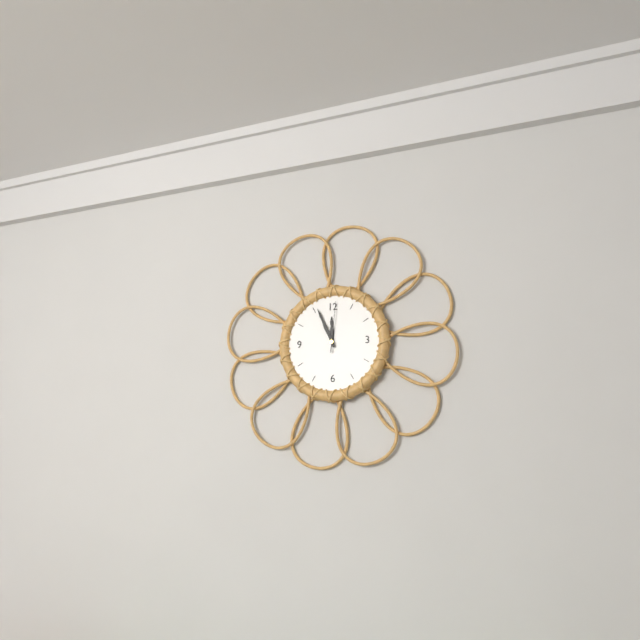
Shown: h=11 m=56 s=1
